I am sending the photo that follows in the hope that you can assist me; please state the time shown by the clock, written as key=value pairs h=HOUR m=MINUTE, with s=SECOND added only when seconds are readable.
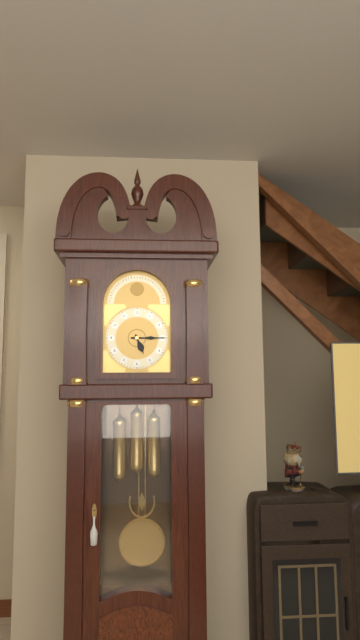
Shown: h=5 m=15
